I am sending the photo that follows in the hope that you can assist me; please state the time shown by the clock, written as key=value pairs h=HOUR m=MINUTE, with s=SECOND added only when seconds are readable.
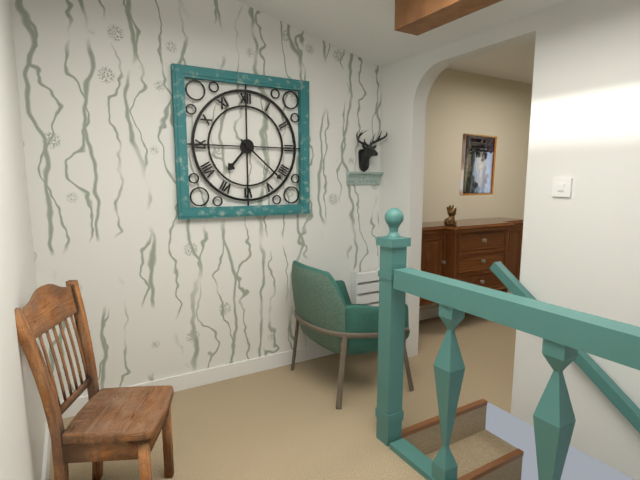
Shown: h=7 m=22
